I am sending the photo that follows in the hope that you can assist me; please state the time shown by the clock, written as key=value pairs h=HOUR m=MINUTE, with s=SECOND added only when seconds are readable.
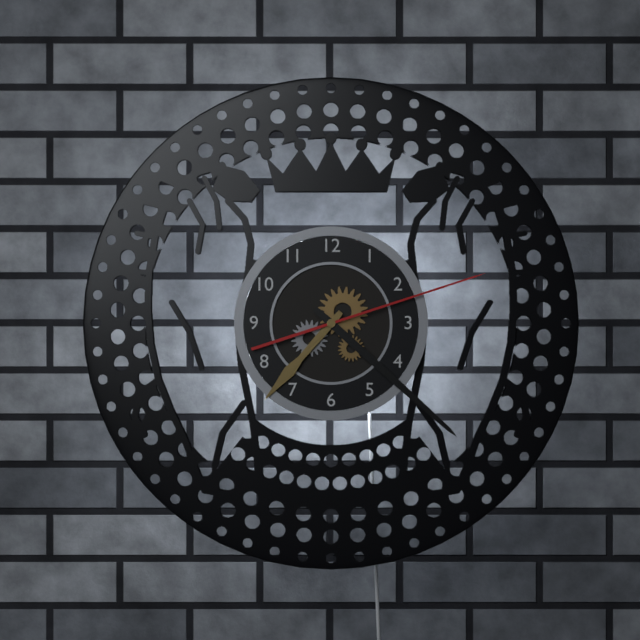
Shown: h=7 m=22 s=12
